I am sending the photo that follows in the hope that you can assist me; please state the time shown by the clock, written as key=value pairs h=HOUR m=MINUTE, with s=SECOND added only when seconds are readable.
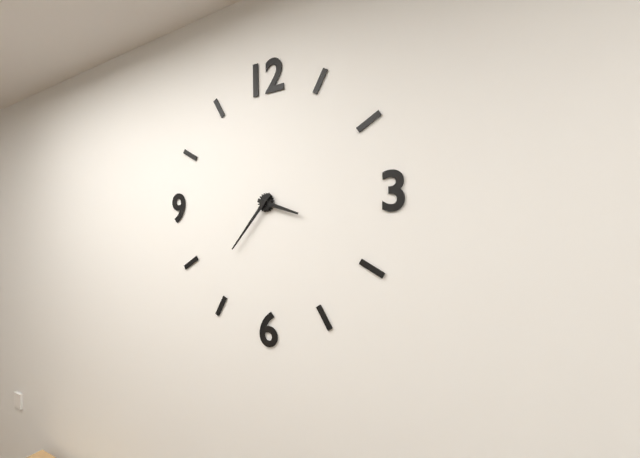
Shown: h=3 m=37
